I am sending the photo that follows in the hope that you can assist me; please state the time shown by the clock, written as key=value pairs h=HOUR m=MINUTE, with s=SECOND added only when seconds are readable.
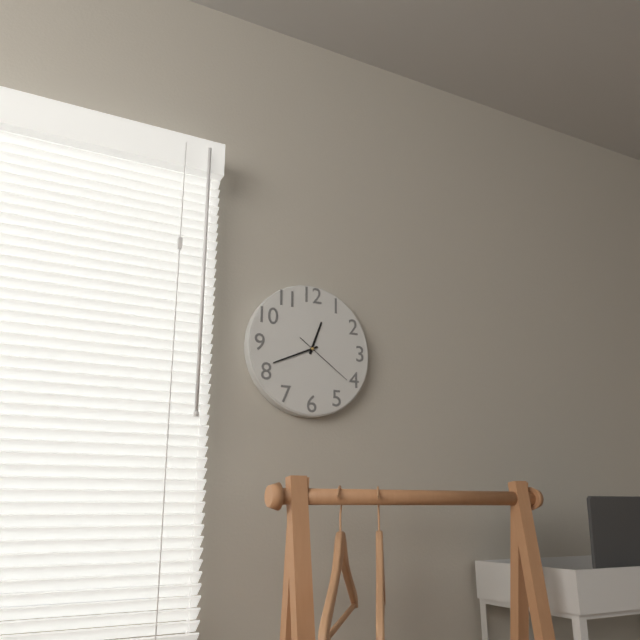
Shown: h=12 m=41 s=21
